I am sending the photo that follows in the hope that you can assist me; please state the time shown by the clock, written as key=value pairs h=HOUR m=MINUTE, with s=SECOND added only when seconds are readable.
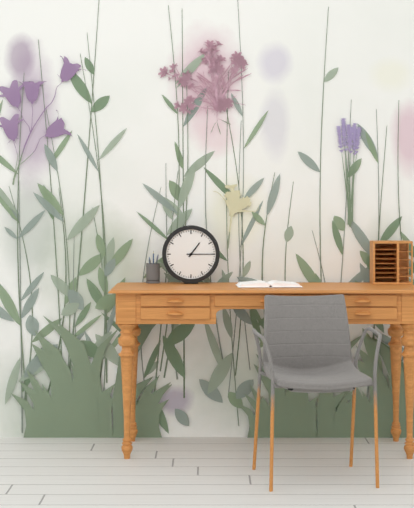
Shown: h=1 m=15
